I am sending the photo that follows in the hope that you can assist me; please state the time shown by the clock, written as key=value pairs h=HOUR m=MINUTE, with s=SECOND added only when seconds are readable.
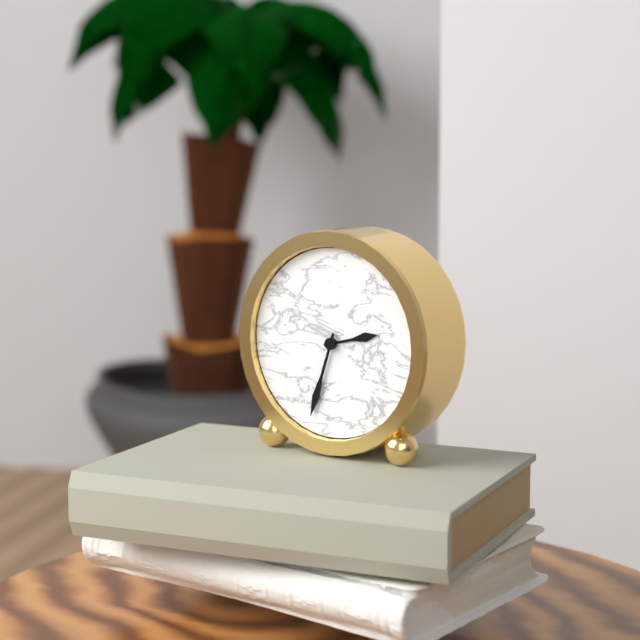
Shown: h=2 m=33
